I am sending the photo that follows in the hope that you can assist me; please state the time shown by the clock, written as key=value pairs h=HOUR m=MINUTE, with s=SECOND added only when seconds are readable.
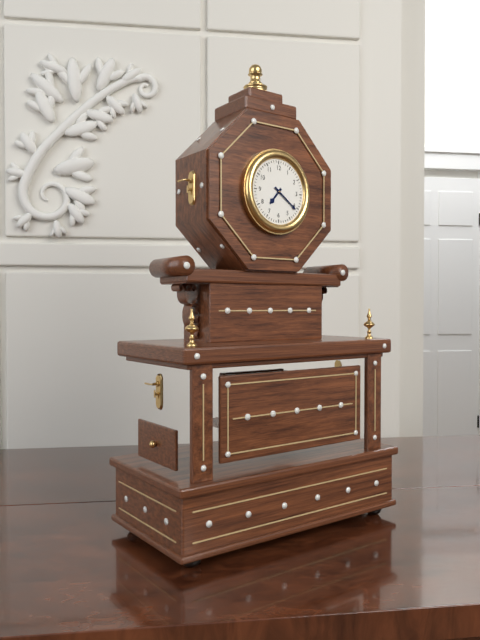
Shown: h=7 m=21
